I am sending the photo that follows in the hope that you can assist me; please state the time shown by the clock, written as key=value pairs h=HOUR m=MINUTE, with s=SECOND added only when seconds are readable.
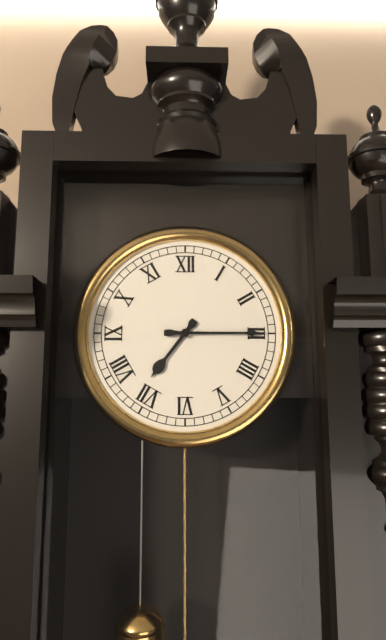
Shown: h=7 m=15
